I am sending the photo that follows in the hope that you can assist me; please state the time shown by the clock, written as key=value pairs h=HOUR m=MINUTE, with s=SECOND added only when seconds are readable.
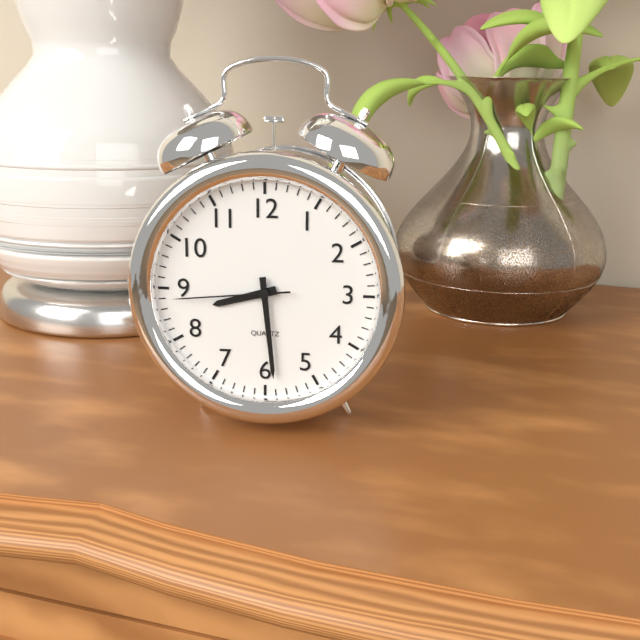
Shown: h=8 m=29 s=44
